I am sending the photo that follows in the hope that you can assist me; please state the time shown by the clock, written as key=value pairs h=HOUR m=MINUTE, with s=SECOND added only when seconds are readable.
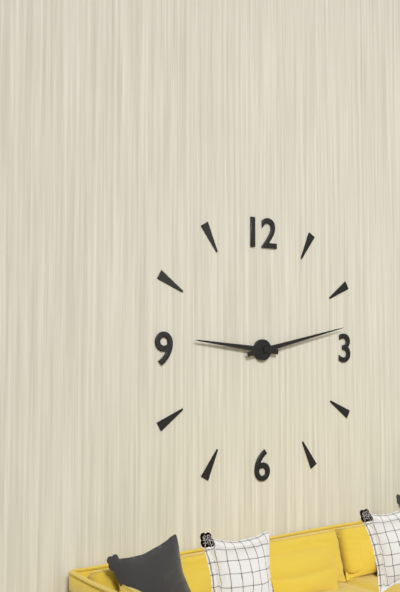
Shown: h=9 m=13
